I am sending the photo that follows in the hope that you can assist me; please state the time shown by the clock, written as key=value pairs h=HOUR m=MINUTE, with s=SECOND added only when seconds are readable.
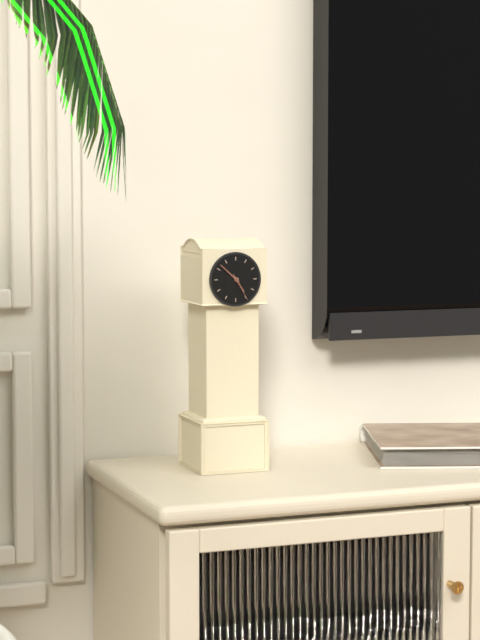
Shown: h=4 m=52
